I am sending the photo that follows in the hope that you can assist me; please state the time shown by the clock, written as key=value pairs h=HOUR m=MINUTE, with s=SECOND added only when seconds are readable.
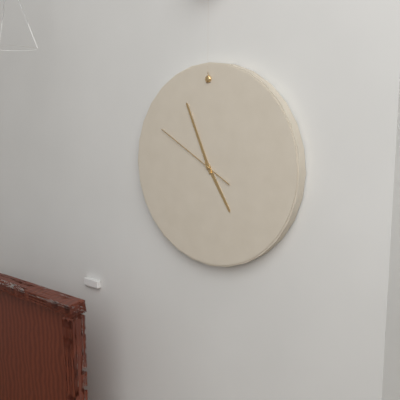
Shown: h=4 m=56 s=50
